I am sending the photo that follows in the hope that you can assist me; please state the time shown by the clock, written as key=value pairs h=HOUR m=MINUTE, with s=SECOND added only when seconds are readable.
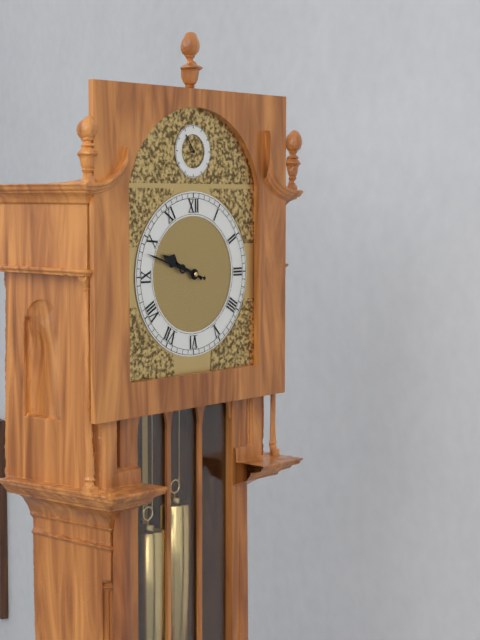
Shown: h=9 m=48
